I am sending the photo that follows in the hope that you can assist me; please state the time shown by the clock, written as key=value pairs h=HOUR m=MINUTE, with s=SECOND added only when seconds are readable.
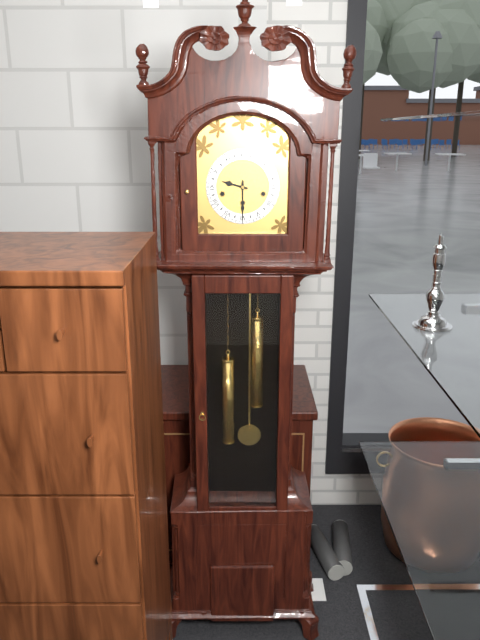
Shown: h=9 m=30
